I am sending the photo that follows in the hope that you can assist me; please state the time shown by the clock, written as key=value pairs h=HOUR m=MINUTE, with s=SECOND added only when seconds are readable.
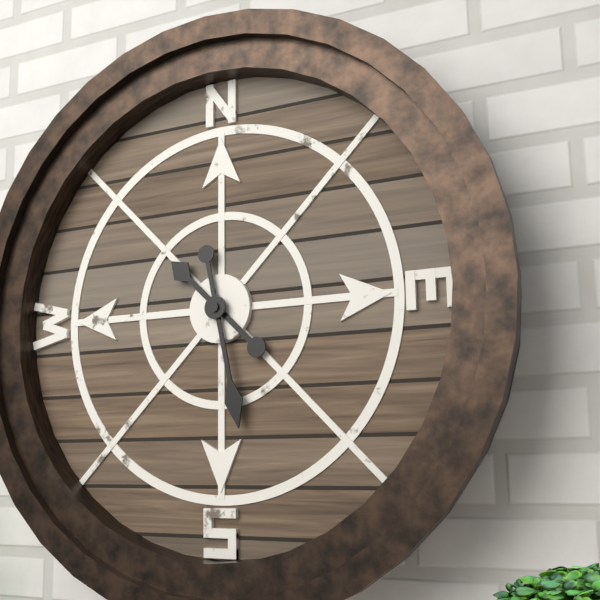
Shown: h=10 m=28
